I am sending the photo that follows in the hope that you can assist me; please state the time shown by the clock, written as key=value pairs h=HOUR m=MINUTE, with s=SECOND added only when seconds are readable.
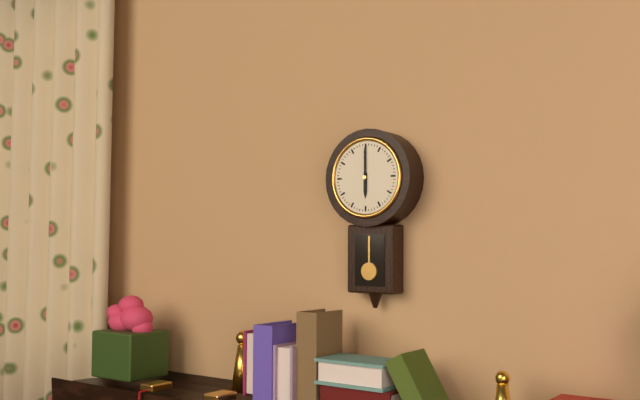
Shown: h=6 m=0
